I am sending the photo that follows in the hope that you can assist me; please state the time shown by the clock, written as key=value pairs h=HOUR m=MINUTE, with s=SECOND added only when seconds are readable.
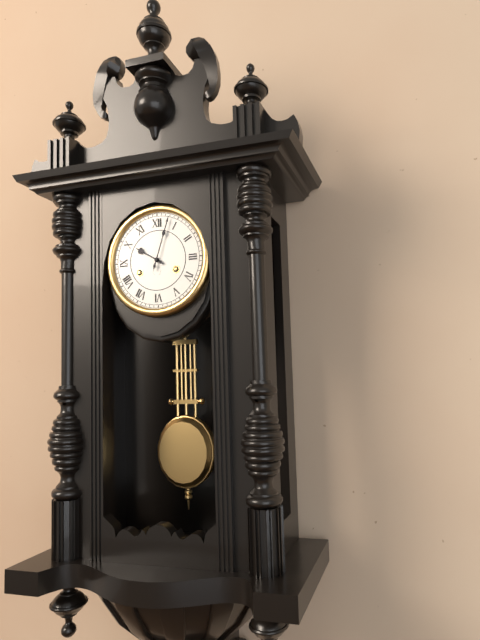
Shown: h=10 m=3
